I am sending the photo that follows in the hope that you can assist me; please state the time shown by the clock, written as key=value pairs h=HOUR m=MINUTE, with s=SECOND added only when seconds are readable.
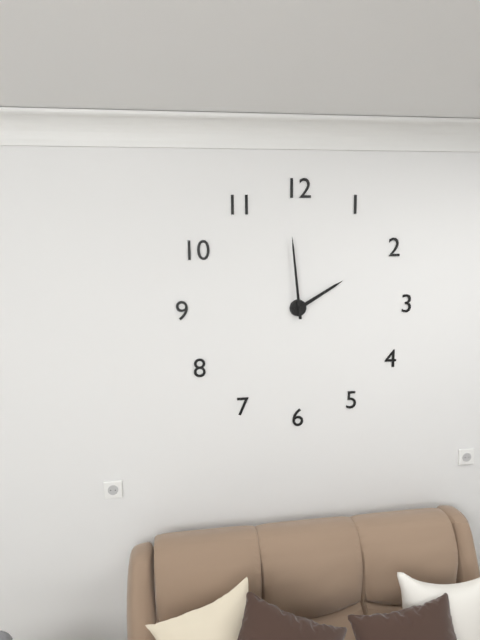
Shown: h=1 m=59
